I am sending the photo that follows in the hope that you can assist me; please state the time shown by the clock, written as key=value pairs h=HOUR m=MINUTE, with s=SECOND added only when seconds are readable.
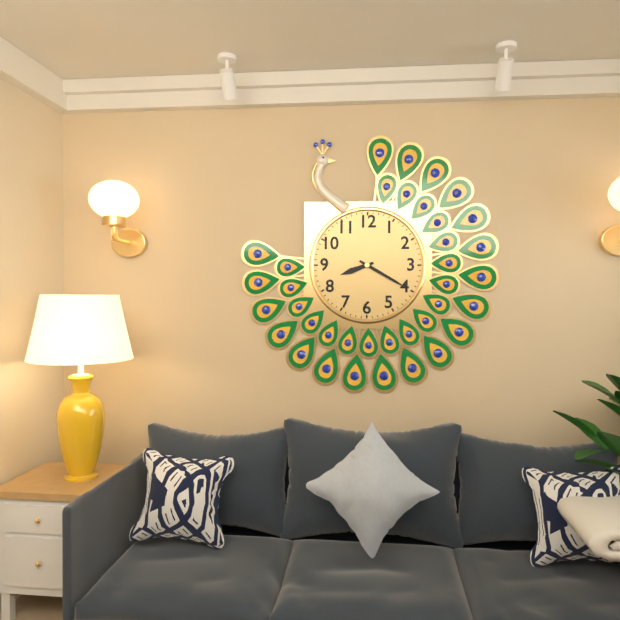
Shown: h=8 m=20
